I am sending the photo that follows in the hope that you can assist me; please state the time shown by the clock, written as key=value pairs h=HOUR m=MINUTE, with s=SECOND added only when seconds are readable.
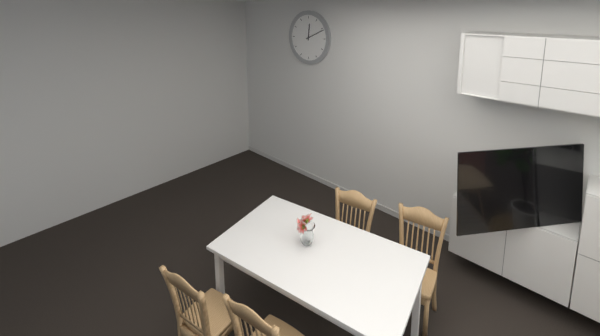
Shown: h=12 m=11
